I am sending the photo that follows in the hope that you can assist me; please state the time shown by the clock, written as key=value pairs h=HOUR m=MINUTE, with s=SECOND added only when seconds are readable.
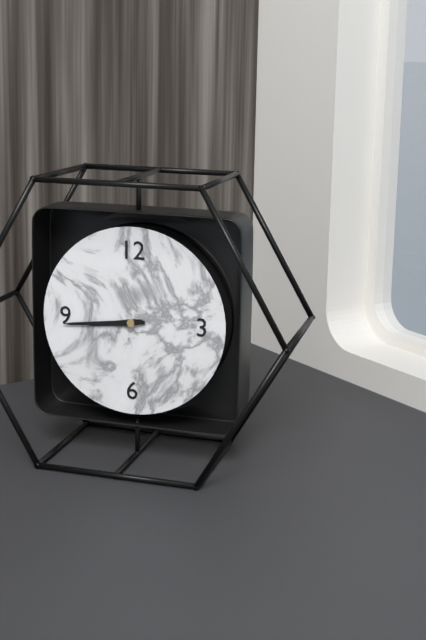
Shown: h=8 m=44
